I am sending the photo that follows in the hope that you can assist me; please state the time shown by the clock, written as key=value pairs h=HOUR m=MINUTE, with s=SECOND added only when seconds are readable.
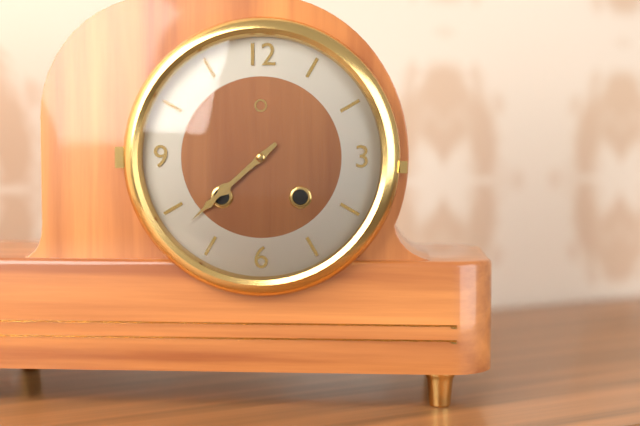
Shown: h=7 m=38
